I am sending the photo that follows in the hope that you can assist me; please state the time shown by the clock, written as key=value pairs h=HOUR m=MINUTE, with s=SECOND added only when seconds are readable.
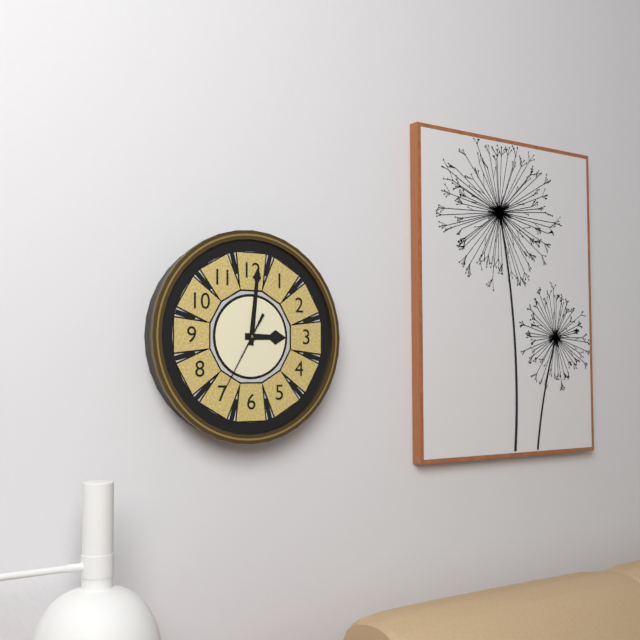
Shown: h=3 m=1 s=35
